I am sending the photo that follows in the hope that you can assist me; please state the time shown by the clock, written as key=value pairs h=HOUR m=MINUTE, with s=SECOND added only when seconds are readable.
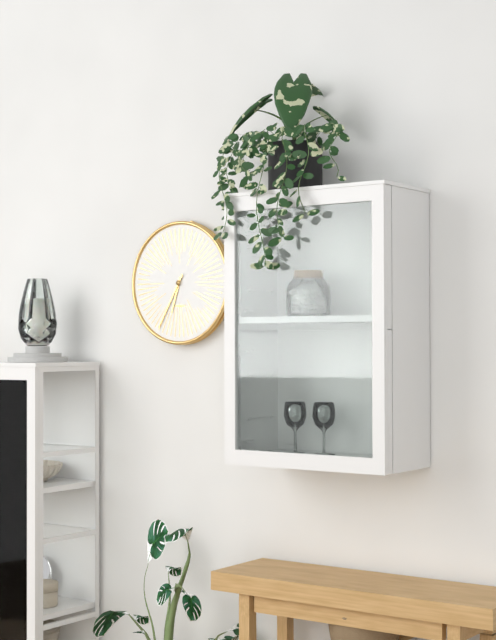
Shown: h=6 m=35
